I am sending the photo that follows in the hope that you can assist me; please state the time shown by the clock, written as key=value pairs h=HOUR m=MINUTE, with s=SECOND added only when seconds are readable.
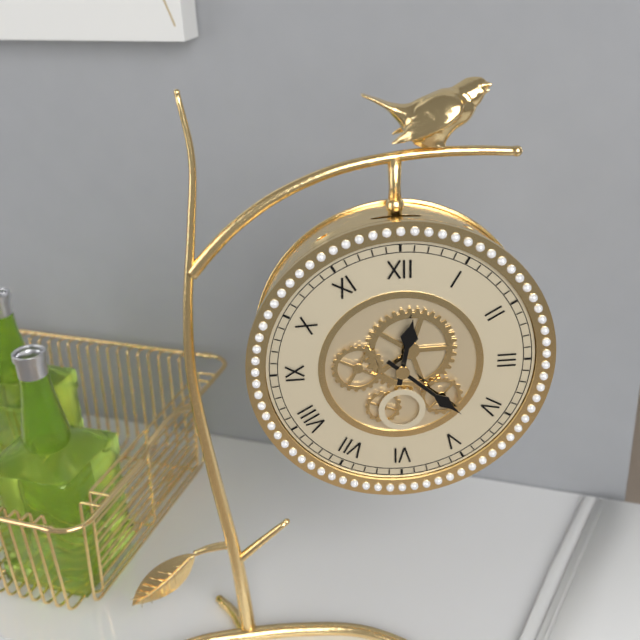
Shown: h=12 m=22
